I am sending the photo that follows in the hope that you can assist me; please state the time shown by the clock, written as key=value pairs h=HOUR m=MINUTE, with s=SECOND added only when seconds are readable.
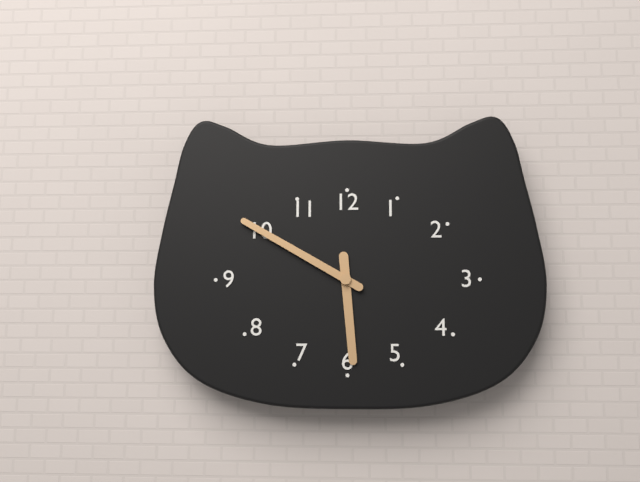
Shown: h=5 m=50
